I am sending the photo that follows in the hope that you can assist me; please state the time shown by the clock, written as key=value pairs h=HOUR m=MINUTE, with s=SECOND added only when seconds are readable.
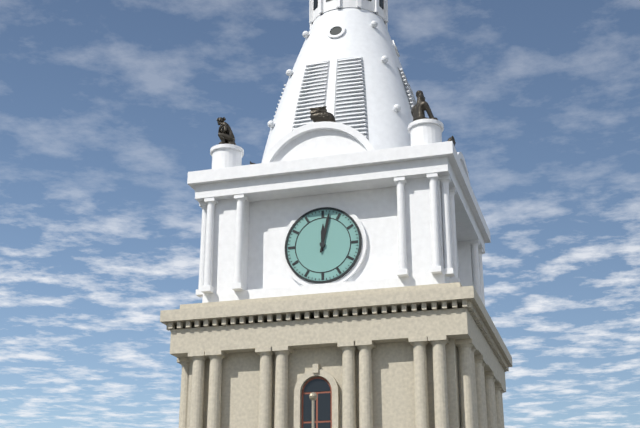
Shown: h=12 m=2
